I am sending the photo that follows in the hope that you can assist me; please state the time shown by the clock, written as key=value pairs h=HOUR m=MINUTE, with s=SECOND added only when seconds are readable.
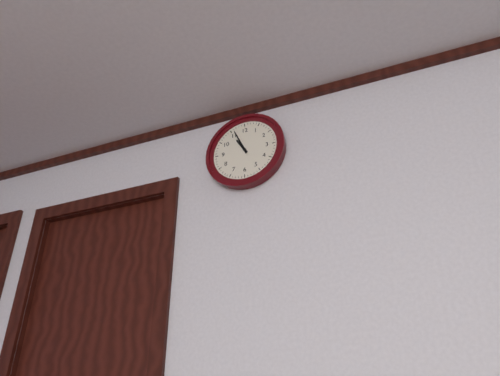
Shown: h=10 m=56
